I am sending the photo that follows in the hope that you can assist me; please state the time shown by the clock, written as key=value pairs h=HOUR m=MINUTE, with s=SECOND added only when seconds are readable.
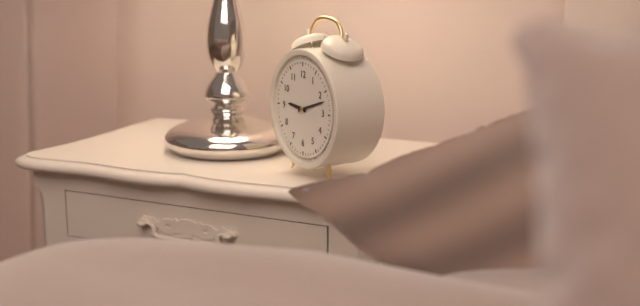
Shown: h=9 m=12
